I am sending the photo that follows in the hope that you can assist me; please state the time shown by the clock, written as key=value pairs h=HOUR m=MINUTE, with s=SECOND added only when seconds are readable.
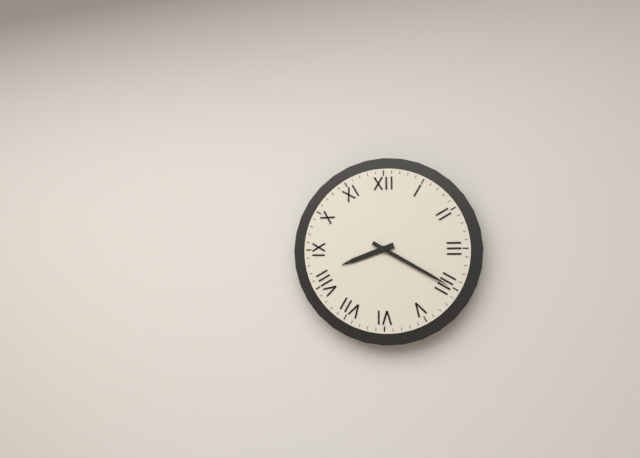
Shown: h=8 m=20
